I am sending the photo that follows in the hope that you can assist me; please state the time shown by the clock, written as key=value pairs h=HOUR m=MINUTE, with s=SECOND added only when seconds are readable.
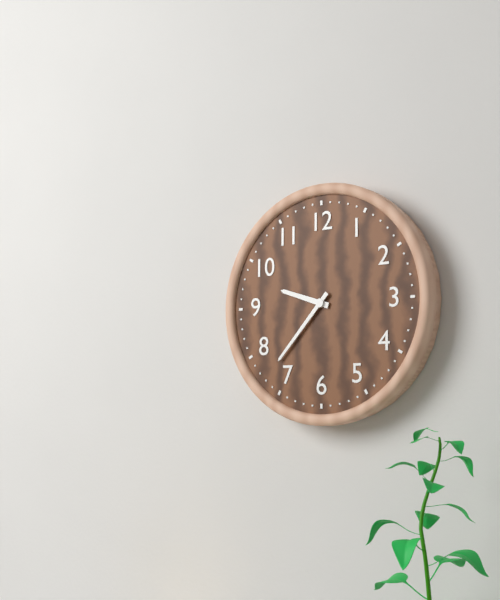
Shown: h=9 m=37
